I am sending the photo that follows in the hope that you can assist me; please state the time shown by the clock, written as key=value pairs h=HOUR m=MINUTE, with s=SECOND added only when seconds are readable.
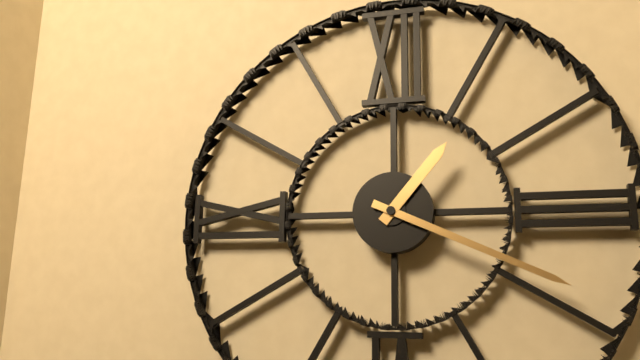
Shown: h=1 m=19
